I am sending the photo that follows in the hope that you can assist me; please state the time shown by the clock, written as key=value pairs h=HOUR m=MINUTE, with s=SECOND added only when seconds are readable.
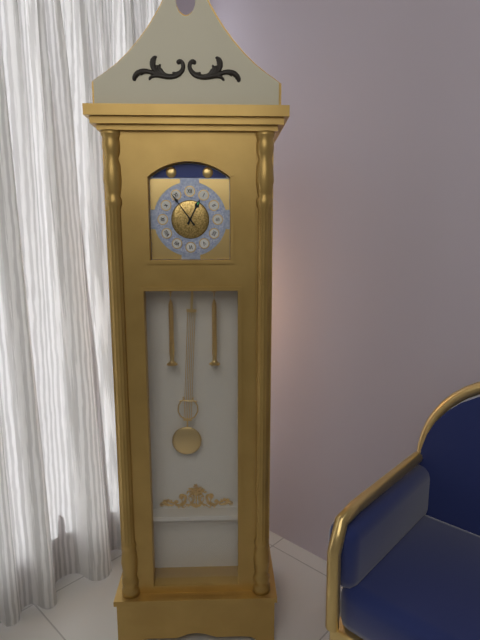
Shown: h=12 m=54
